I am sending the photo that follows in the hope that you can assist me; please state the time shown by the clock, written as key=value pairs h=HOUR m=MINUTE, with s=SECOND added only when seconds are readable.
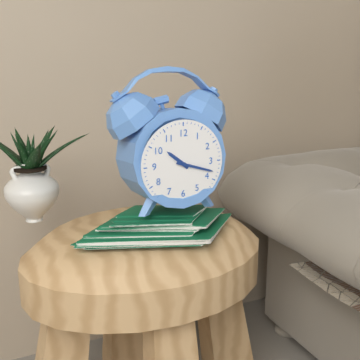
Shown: h=10 m=18
